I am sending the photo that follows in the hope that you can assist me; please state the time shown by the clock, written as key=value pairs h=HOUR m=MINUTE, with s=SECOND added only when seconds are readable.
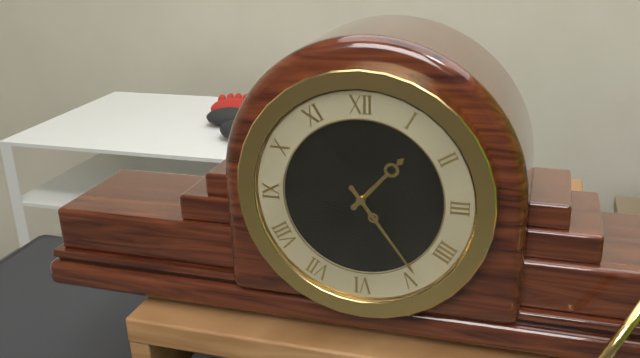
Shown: h=1 m=24
